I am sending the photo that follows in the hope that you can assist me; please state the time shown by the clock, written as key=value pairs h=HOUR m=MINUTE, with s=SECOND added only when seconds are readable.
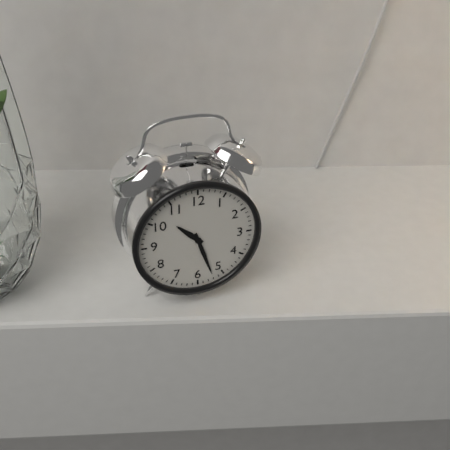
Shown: h=10 m=27
